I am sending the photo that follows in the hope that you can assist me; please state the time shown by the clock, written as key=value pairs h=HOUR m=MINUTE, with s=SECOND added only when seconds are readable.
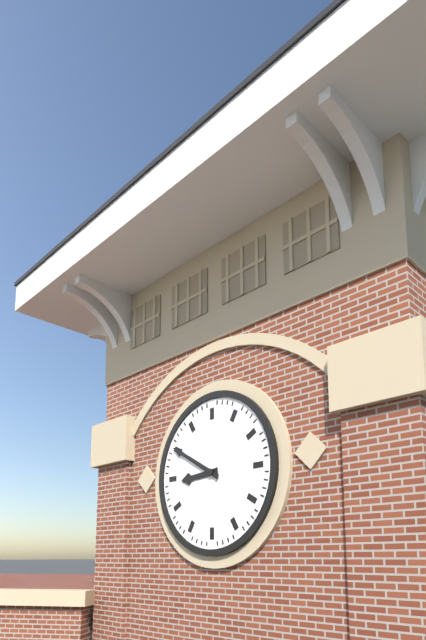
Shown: h=8 m=50
